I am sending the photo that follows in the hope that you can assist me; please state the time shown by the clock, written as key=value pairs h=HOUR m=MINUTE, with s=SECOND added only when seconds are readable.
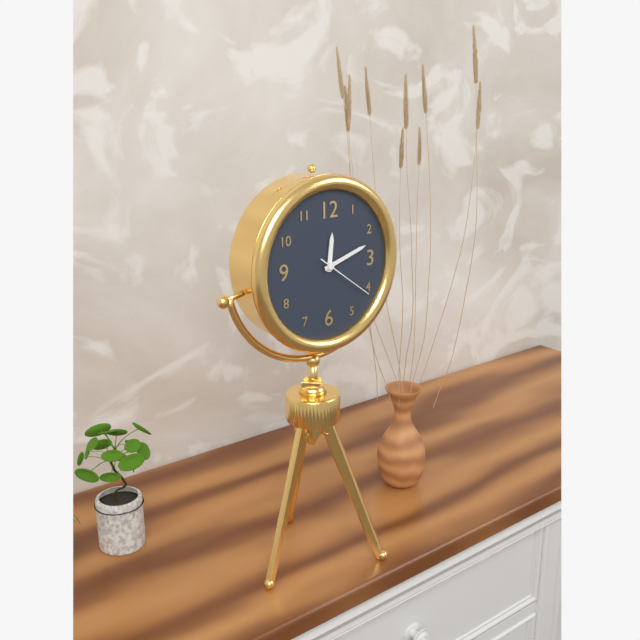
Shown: h=12 m=12 s=21
